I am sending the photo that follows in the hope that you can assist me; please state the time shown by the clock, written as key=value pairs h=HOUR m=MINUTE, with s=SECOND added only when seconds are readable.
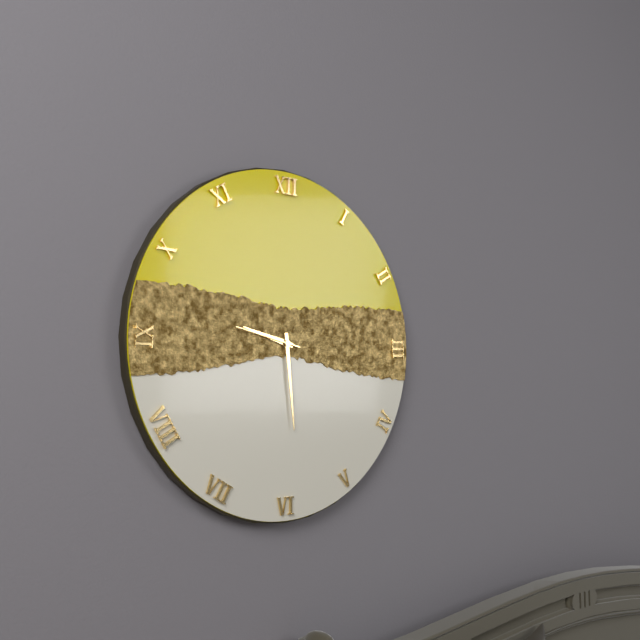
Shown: h=9 m=29 s=47
